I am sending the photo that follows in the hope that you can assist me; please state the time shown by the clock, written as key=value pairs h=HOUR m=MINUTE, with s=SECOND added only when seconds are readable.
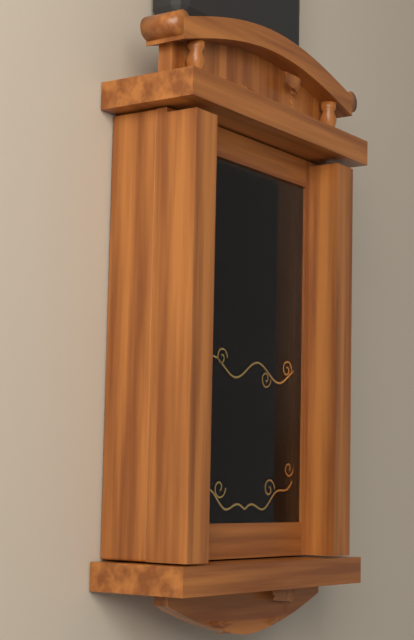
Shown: h=12 m=59
